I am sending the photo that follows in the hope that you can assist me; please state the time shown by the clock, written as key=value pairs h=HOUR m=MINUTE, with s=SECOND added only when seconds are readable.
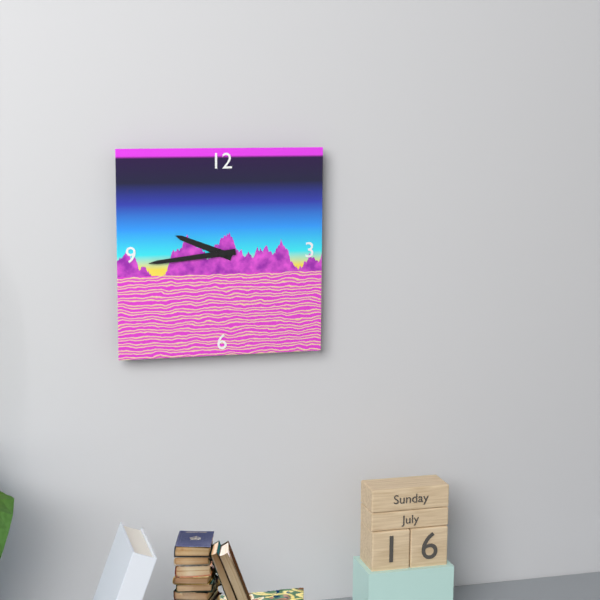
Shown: h=9 m=44
